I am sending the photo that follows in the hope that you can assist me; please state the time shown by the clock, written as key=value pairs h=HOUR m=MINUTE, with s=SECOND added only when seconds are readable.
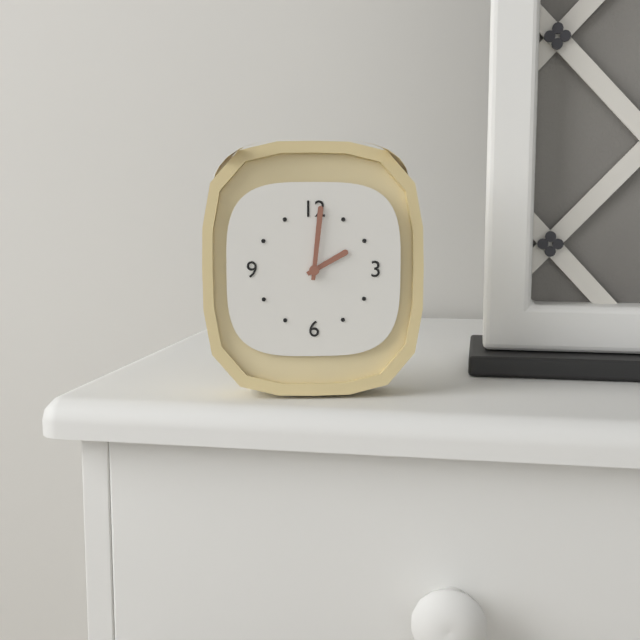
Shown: h=2 m=1
